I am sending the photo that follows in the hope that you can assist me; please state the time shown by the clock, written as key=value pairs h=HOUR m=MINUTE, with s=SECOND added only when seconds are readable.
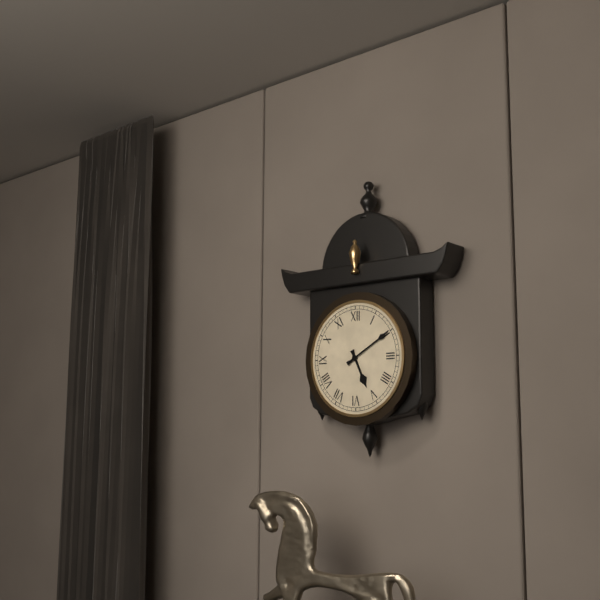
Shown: h=5 m=10
